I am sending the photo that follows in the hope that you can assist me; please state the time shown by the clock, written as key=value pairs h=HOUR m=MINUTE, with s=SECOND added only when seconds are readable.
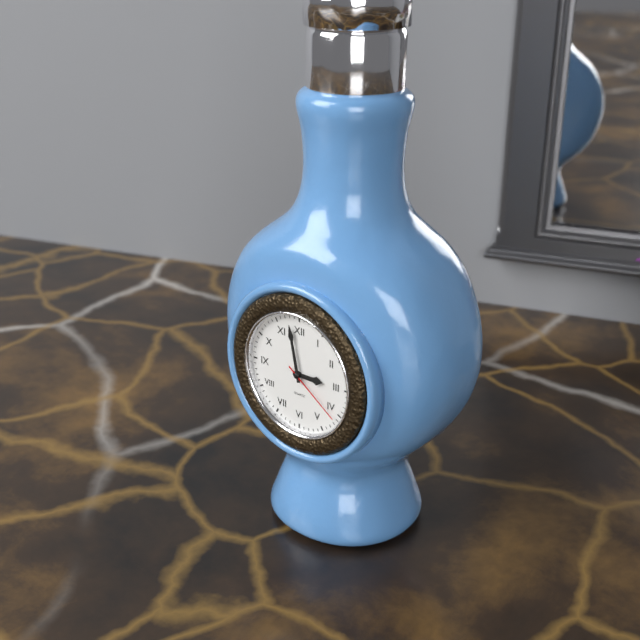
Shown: h=2 m=58 s=21
